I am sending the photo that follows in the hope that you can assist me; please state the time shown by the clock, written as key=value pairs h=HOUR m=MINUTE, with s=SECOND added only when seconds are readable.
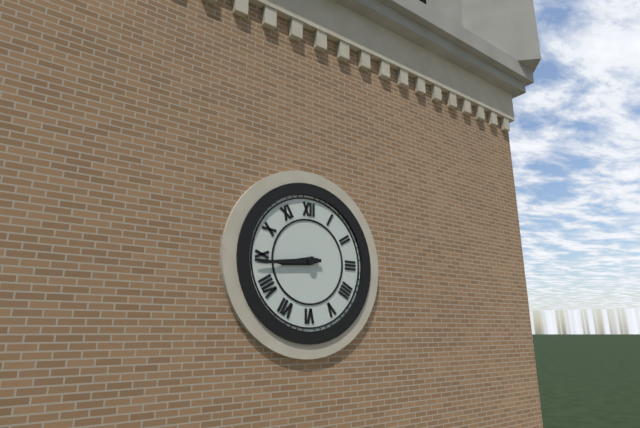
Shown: h=8 m=44
